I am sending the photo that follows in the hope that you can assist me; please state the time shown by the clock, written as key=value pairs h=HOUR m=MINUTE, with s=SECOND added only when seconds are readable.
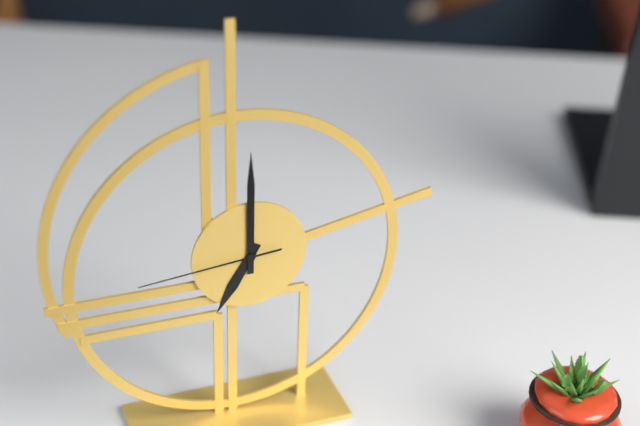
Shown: h=7 m=0 s=44
